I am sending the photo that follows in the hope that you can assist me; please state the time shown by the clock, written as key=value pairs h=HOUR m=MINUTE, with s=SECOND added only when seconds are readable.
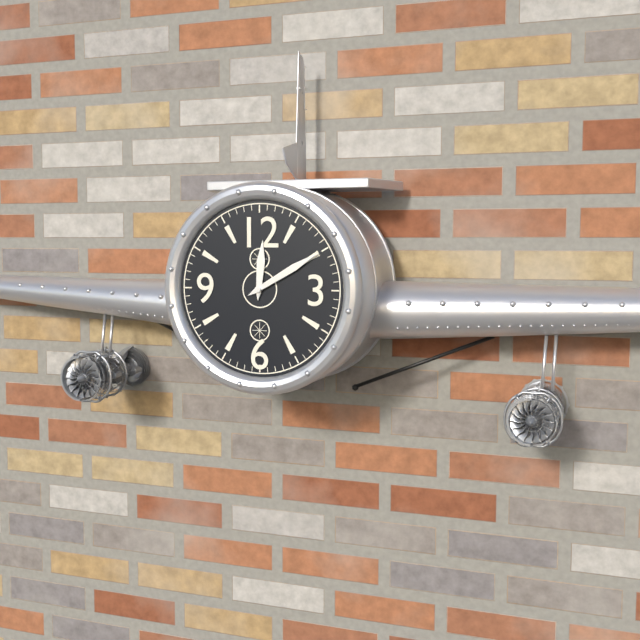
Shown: h=12 m=10
